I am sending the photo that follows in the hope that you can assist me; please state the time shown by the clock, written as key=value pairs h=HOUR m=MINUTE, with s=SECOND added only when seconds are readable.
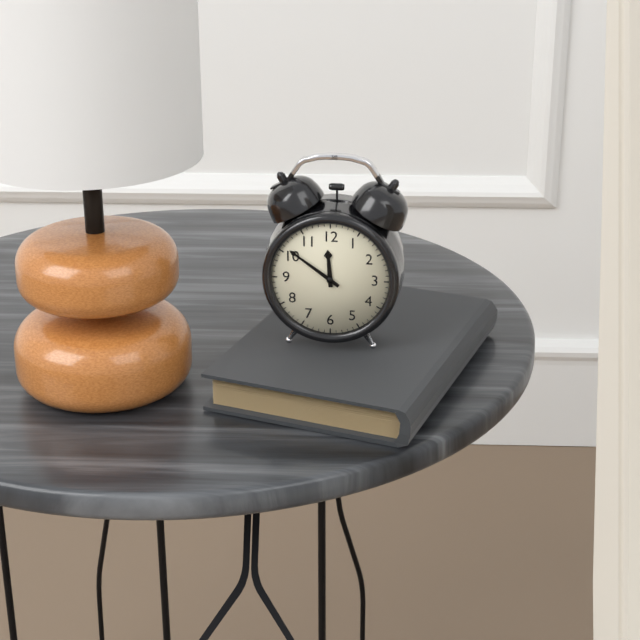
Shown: h=11 m=51
